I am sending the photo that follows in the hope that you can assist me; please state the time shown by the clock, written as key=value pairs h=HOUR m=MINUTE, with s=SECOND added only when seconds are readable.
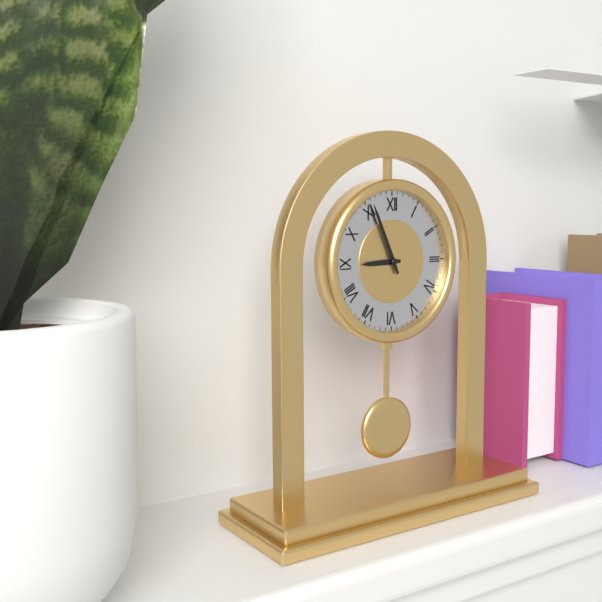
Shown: h=8 m=56
